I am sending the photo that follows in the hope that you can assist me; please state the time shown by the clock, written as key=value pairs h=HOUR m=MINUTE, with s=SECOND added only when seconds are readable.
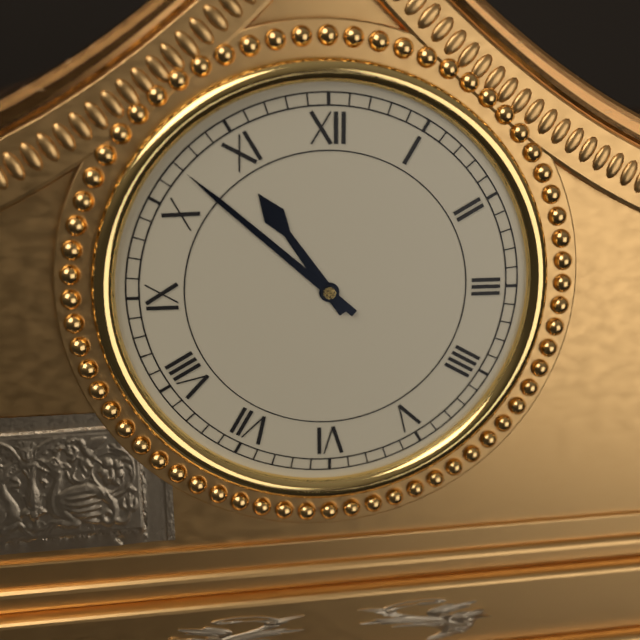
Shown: h=10 m=52
